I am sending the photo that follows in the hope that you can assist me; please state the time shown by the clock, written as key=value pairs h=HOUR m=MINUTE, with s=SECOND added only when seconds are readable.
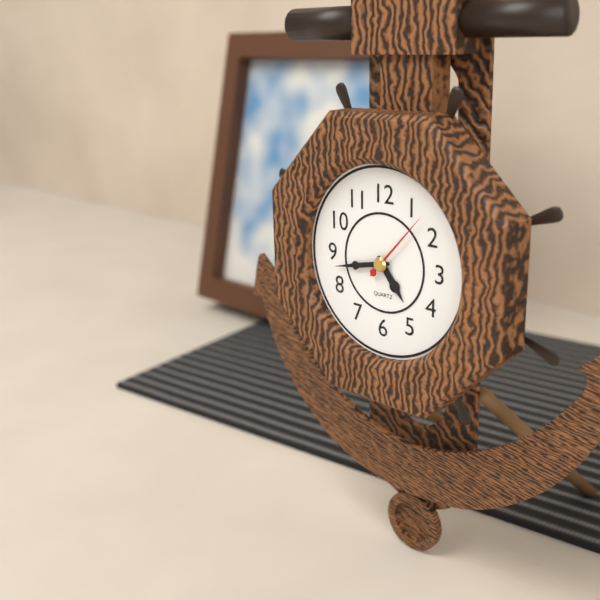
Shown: h=4 m=43 s=7
